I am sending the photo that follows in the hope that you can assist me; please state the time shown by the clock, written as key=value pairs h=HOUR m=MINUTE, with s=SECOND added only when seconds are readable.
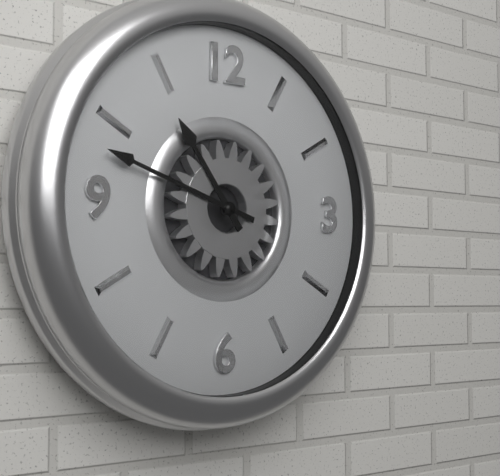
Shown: h=10 m=48
